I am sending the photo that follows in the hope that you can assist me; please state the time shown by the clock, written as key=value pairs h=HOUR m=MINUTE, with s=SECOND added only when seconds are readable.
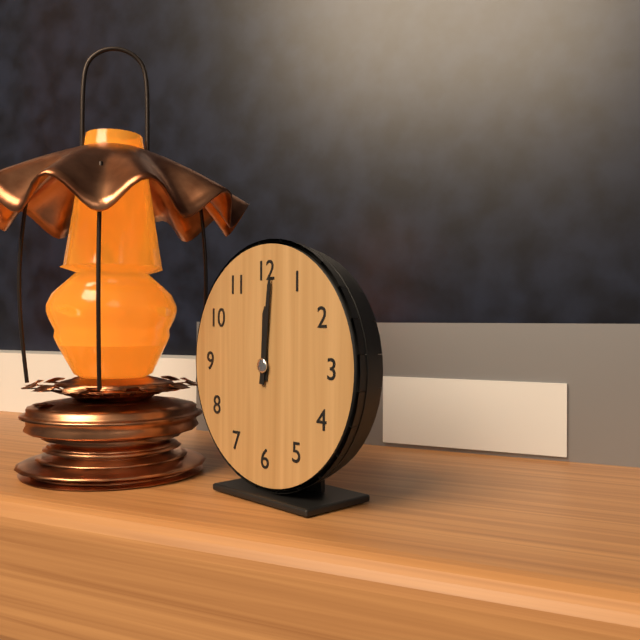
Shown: h=12 m=1
